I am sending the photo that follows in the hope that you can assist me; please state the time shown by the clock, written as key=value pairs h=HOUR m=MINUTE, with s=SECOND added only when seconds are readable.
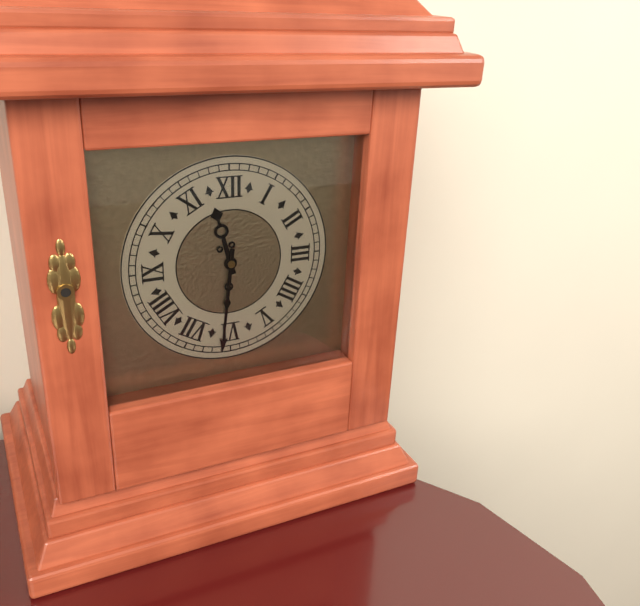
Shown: h=11 m=31
